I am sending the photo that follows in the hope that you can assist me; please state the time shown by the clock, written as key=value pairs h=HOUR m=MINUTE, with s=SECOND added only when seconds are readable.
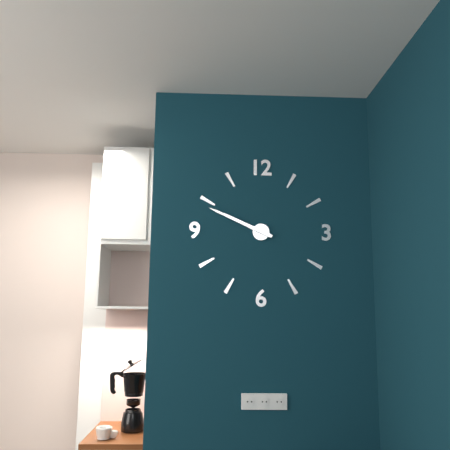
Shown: h=9 m=49
